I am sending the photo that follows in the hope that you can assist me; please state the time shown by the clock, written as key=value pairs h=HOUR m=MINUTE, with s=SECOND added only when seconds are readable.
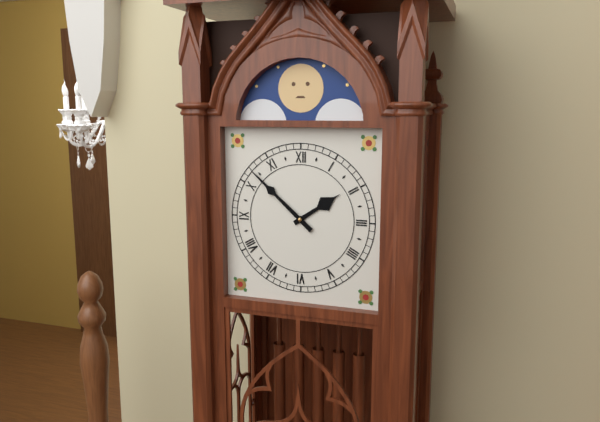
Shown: h=1 m=52
